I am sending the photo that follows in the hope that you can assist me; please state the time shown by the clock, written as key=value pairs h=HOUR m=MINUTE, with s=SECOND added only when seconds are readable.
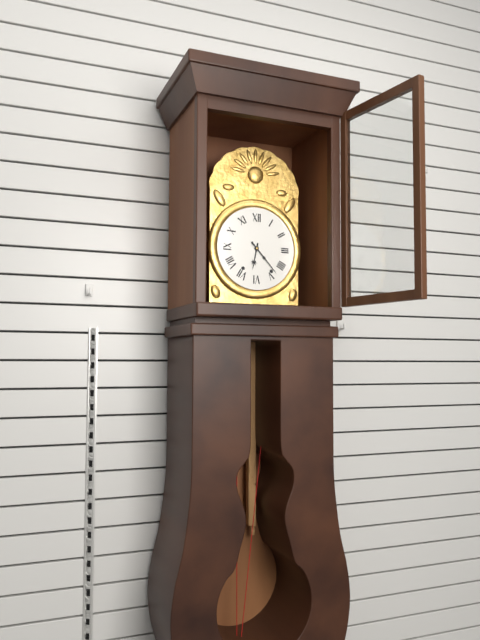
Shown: h=6 m=23
